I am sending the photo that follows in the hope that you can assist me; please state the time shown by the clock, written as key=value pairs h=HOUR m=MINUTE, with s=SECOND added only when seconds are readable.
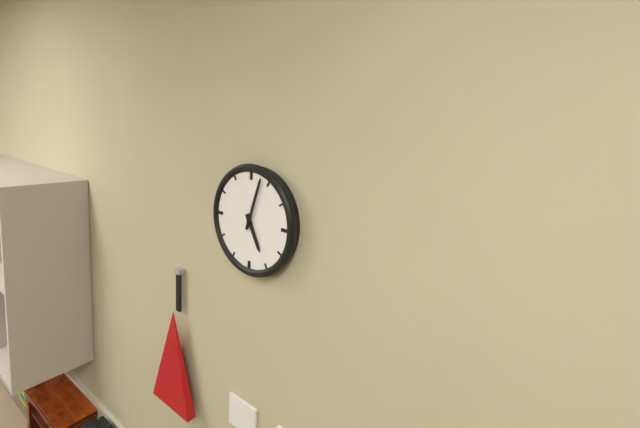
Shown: h=5 m=3
